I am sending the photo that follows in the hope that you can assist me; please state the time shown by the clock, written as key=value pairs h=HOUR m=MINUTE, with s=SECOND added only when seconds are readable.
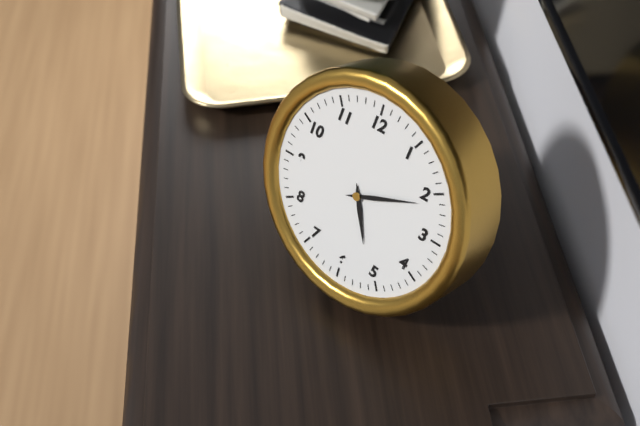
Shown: h=5 m=11
